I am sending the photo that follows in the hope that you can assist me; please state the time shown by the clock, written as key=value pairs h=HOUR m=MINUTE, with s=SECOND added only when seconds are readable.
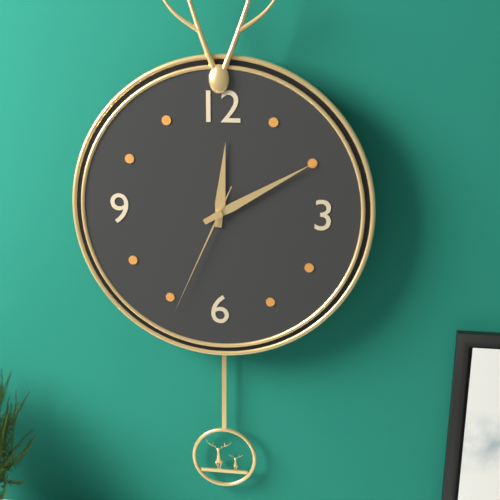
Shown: h=12 m=10 s=34
